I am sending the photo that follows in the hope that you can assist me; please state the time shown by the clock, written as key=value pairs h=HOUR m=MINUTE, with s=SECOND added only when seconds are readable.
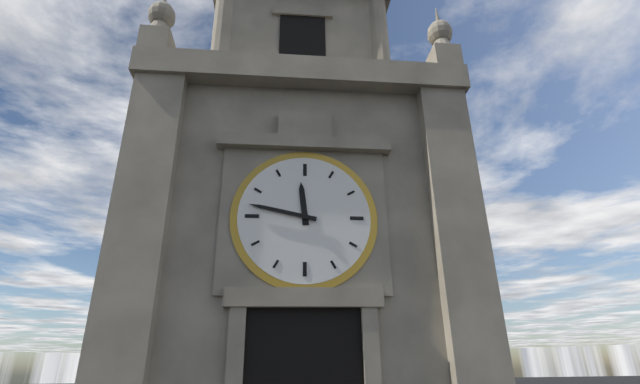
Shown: h=11 m=47
